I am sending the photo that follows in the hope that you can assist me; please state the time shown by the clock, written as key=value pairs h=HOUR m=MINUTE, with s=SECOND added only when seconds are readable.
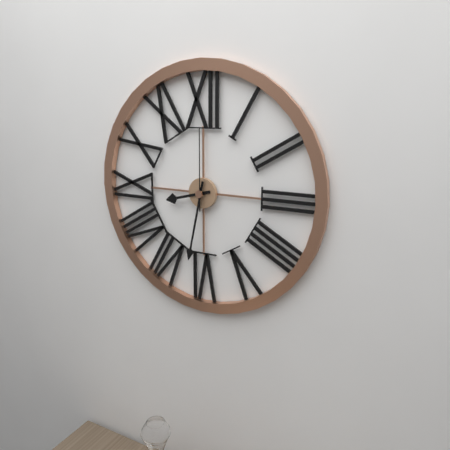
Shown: h=8 m=32 s=0
